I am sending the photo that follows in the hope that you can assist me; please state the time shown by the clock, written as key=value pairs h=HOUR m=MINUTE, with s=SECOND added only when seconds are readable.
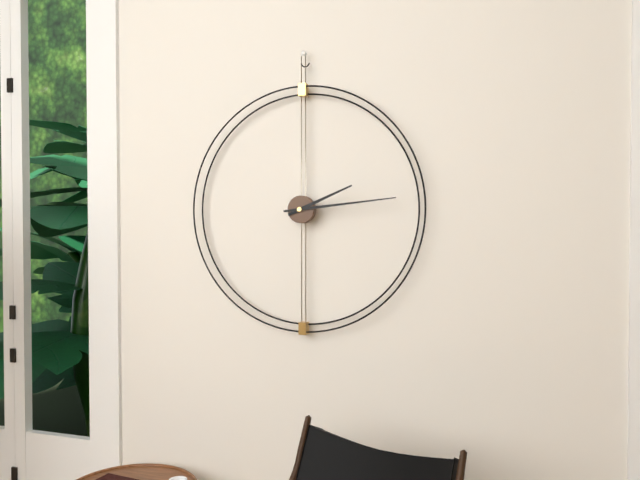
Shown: h=2 m=14
